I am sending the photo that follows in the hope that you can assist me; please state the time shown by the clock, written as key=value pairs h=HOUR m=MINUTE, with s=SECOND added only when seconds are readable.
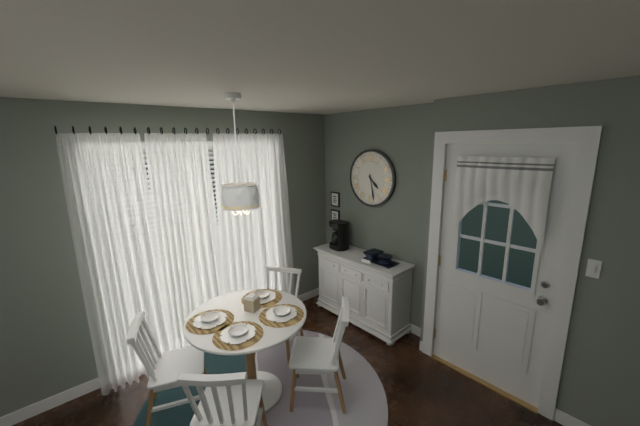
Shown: h=4 m=28
